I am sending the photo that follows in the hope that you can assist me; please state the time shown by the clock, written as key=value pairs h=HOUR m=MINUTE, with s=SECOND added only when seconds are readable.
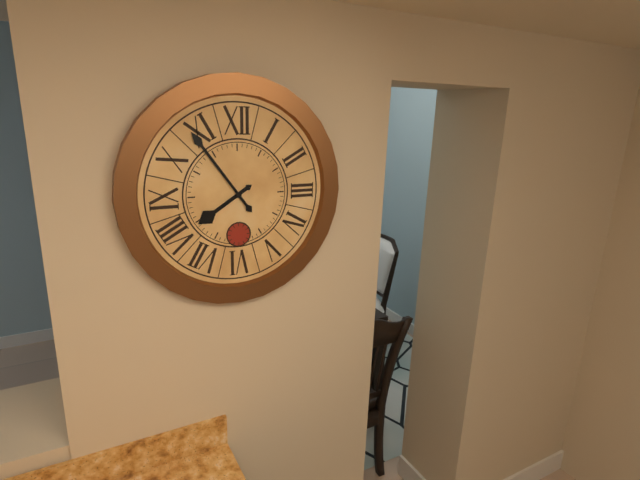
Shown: h=7 m=54
